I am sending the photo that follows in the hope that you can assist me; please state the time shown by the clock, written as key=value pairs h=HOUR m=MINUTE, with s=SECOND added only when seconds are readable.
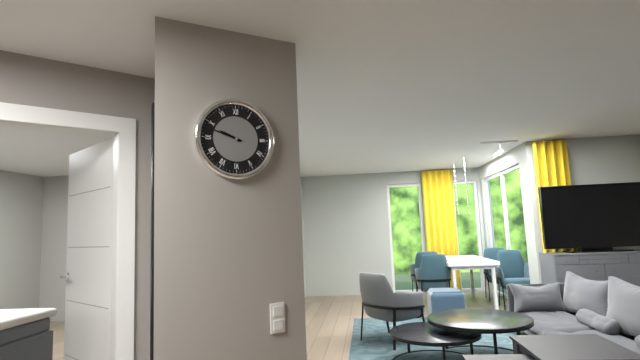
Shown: h=9 m=48
